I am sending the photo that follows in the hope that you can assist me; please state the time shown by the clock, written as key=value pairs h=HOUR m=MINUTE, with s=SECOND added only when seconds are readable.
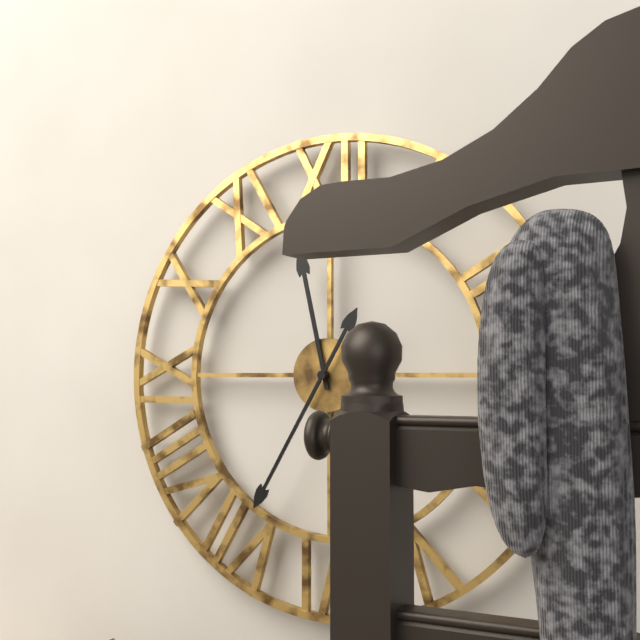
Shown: h=11 m=35
